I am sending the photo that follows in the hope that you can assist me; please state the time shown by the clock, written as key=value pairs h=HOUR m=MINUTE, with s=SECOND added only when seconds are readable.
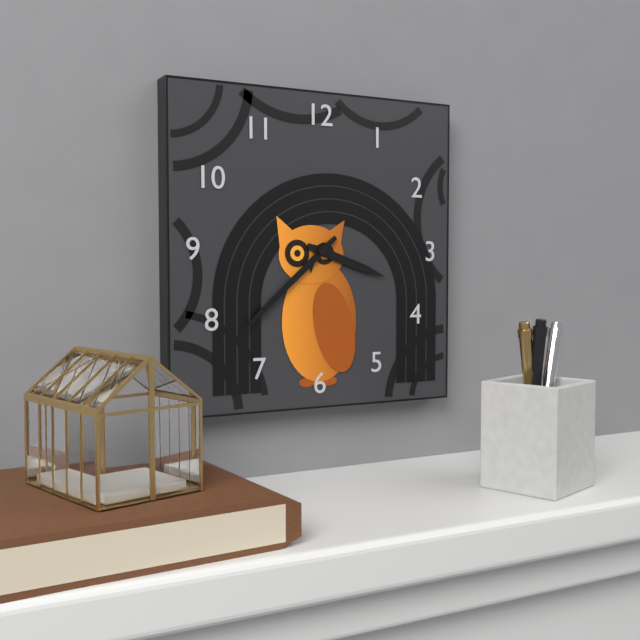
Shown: h=3 m=38
